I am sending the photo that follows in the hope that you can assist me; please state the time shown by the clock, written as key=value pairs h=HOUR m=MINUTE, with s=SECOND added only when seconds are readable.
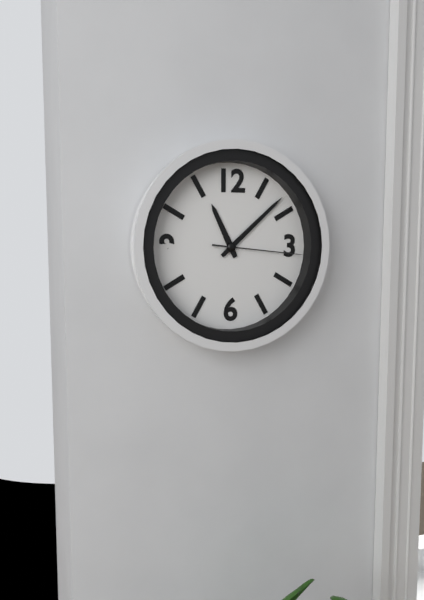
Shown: h=11 m=8 s=16
